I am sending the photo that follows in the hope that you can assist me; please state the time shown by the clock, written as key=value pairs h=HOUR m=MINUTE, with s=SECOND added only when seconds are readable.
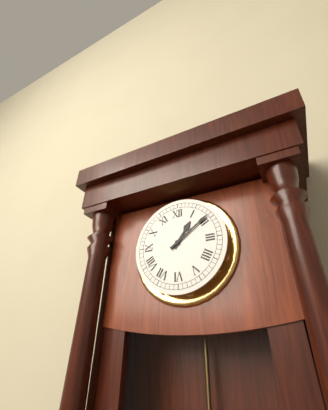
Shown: h=1 m=9
